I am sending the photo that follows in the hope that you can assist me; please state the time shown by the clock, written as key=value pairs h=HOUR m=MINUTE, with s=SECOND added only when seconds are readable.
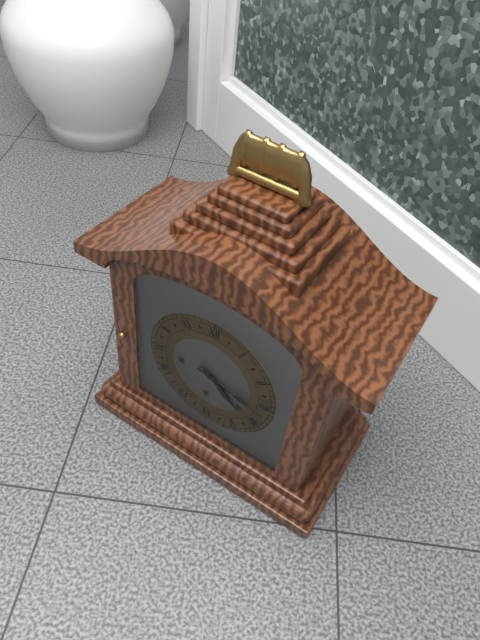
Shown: h=4 m=17
